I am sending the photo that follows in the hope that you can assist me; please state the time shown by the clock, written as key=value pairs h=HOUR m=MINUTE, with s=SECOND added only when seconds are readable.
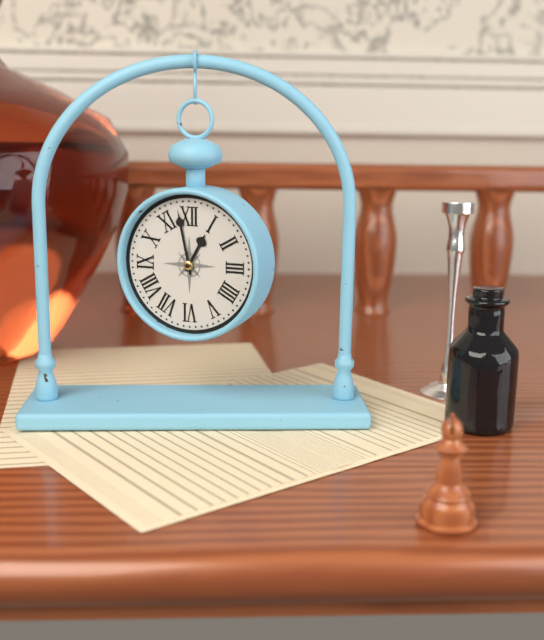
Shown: h=12 m=58
